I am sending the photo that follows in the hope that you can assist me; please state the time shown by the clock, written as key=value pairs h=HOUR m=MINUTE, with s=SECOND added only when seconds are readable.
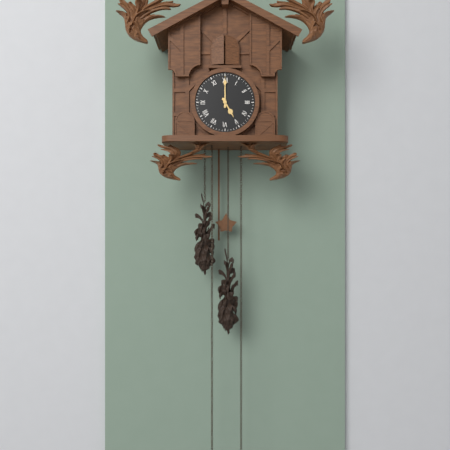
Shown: h=5 m=0
